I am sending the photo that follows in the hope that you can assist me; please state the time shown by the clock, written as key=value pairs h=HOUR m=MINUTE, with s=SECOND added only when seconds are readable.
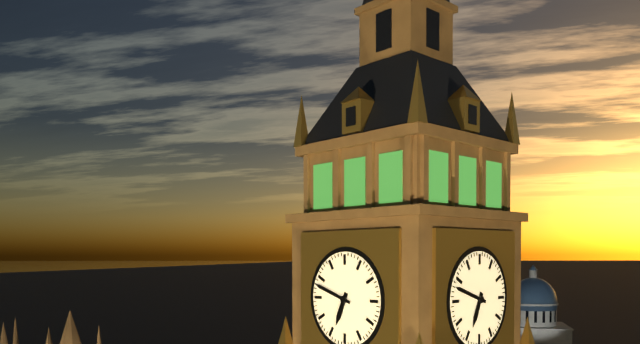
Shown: h=6 m=48
